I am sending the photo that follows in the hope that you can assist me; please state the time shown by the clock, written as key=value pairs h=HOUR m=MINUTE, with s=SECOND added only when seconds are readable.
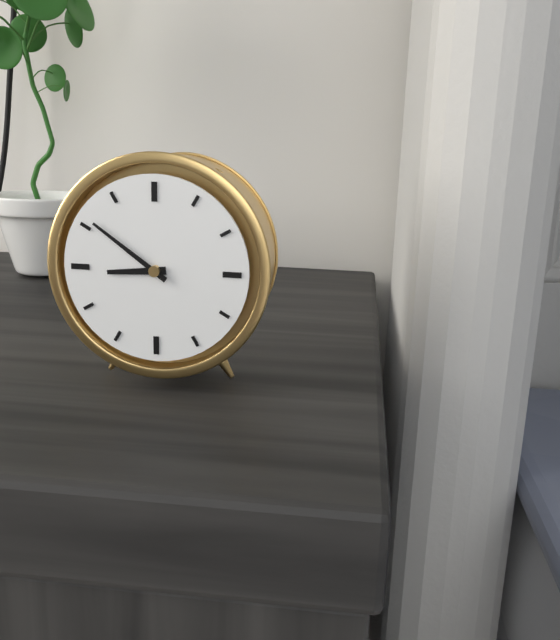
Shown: h=8 m=51
